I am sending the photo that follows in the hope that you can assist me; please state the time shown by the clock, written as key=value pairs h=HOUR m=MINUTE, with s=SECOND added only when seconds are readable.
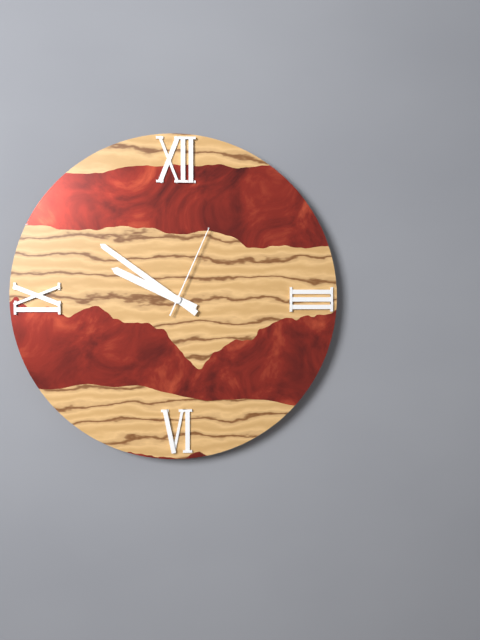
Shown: h=9 m=51 s=4
